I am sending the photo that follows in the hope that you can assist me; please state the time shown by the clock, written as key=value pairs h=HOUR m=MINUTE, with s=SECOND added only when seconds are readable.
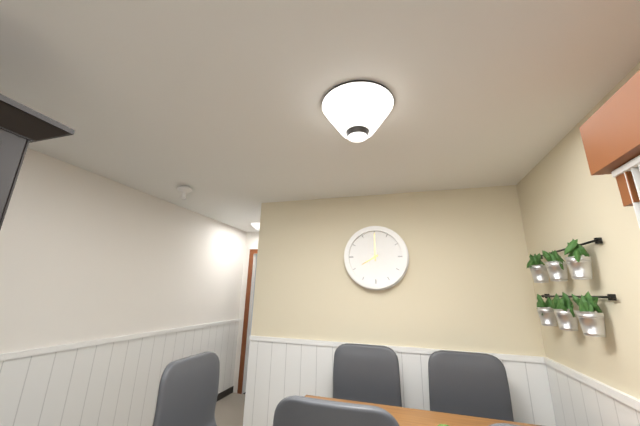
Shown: h=8 m=0
